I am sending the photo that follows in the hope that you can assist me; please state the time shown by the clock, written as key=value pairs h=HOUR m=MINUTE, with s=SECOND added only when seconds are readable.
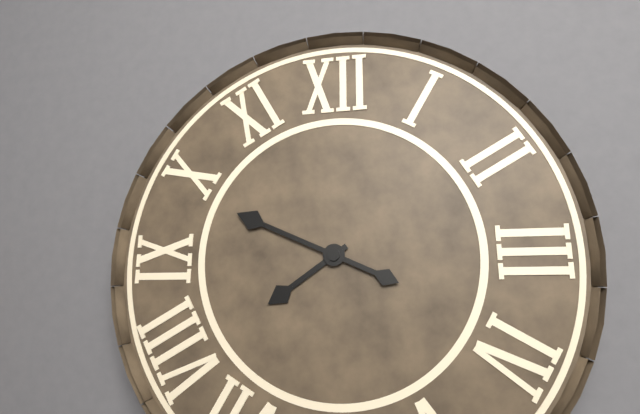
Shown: h=7 m=49
